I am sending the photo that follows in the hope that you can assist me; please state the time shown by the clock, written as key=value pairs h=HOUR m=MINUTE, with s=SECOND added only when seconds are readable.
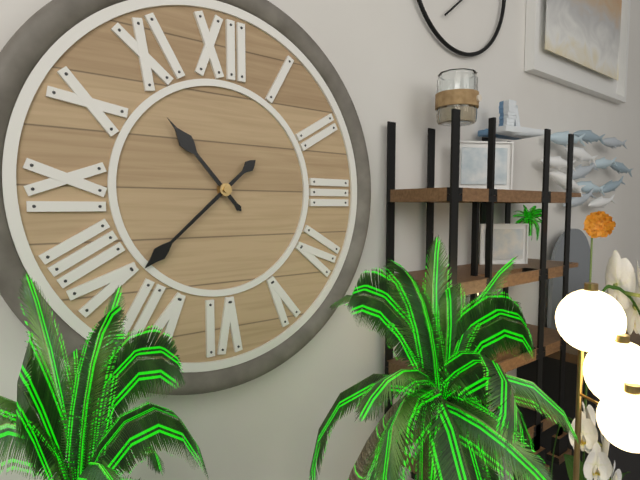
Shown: h=10 m=38
